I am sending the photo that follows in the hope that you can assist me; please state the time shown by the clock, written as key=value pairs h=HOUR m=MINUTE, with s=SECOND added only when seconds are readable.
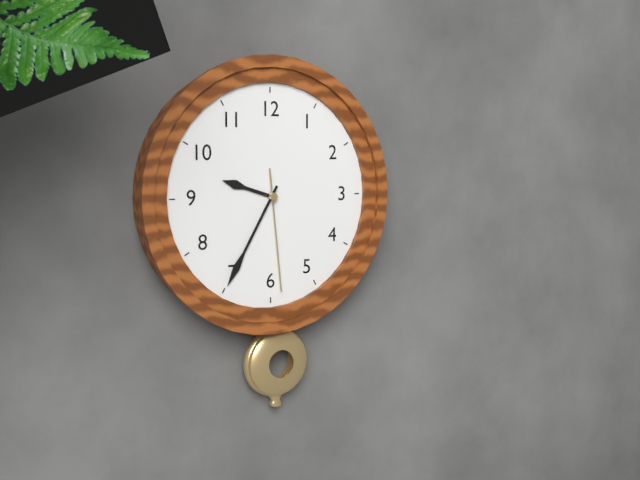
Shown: h=9 m=35 s=29
